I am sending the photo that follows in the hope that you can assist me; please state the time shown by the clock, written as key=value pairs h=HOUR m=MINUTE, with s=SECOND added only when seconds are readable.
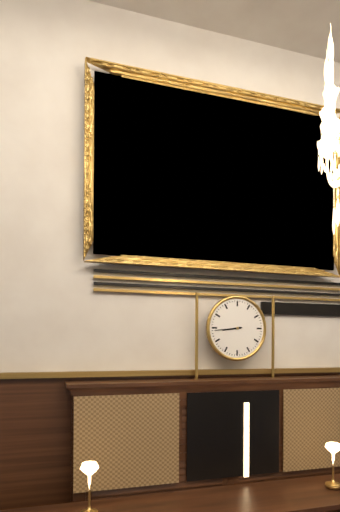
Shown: h=8 m=44
